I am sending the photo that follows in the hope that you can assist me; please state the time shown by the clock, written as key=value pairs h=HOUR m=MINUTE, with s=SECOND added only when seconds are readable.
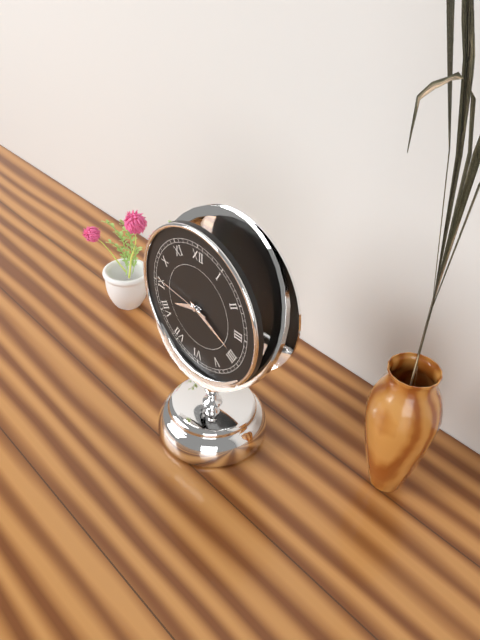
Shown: h=8 m=19 s=46
